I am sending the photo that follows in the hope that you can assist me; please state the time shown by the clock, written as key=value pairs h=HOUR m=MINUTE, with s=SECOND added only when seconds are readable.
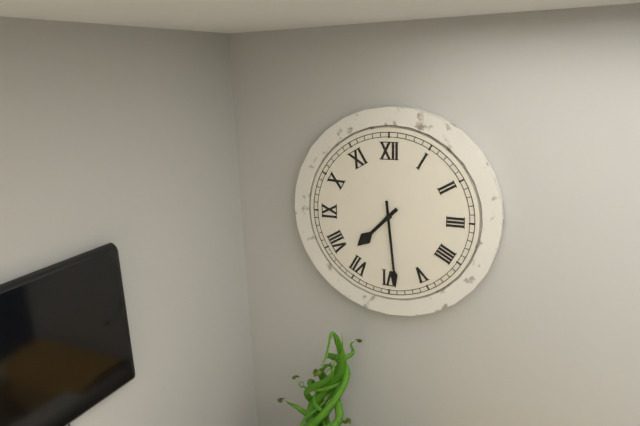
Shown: h=7 m=29
